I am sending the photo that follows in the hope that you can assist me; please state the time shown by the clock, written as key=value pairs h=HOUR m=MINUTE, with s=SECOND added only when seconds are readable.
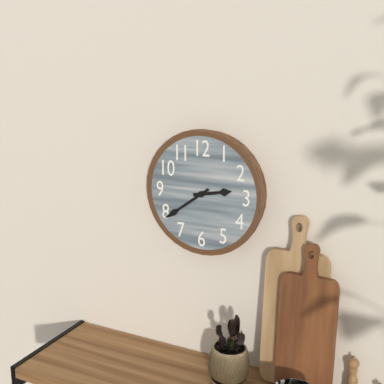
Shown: h=2 m=39
